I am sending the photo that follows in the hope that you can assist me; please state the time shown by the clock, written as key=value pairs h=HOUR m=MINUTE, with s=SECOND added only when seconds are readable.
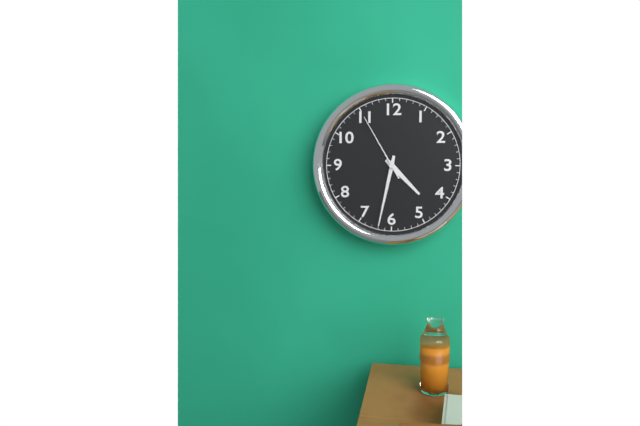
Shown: h=4 m=32 s=55
